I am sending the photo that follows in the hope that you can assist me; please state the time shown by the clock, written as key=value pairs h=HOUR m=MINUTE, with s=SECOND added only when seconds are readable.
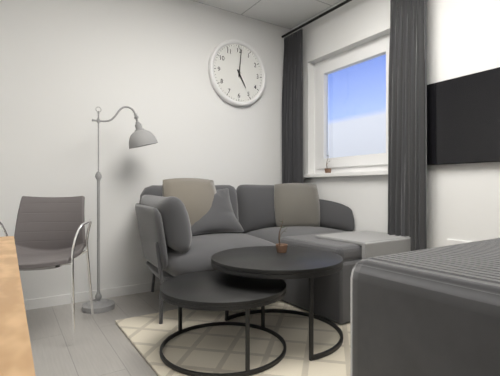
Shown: h=5 m=1
